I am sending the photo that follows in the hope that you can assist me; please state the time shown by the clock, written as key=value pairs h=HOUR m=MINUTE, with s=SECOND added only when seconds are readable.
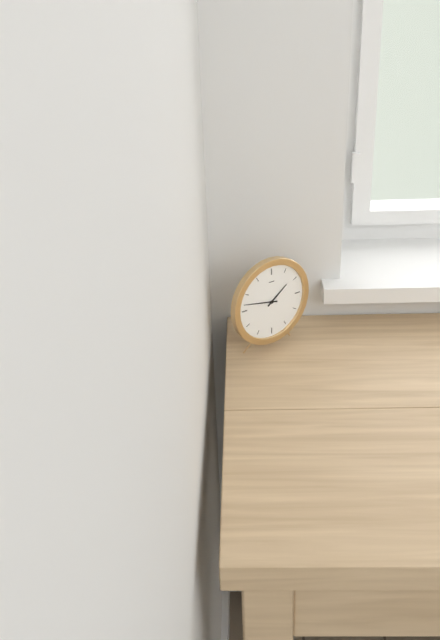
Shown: h=1 m=47
